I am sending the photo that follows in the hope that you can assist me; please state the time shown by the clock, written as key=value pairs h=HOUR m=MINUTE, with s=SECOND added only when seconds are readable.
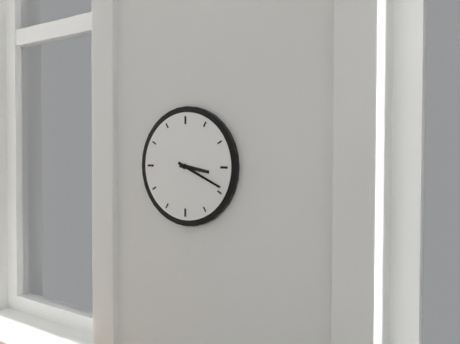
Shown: h=3 m=19
